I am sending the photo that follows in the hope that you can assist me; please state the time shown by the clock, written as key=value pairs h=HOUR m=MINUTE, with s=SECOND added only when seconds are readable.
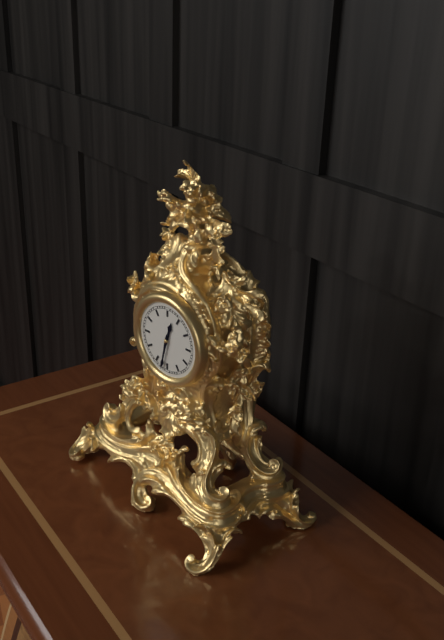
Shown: h=12 m=32
